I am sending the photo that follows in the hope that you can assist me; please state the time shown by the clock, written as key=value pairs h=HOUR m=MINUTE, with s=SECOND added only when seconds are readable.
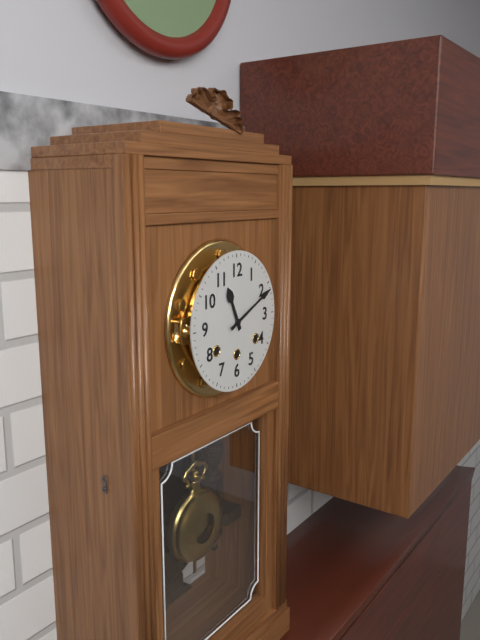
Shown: h=11 m=11
